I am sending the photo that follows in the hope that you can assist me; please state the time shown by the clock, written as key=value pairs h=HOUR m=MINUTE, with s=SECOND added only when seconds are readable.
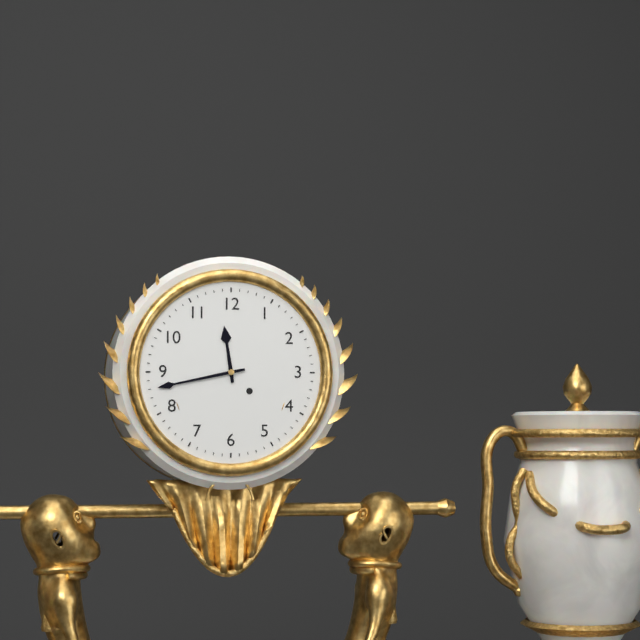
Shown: h=11 m=43
